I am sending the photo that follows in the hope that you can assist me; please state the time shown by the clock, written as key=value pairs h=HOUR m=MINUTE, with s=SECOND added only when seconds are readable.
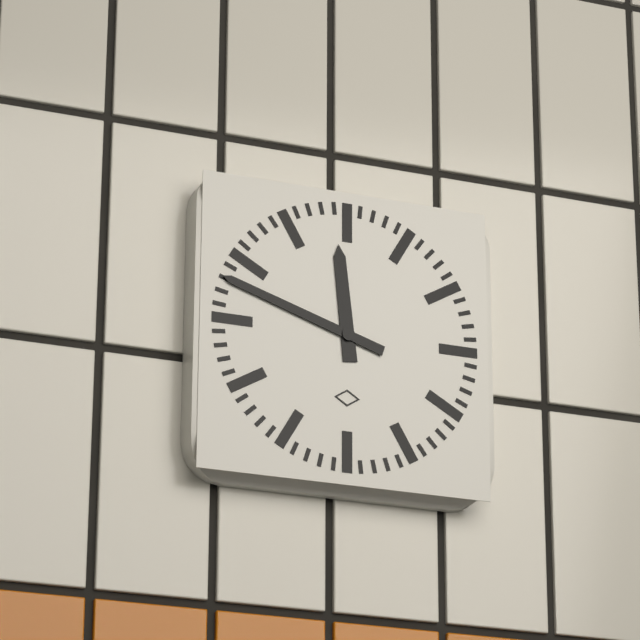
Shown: h=11 m=48
